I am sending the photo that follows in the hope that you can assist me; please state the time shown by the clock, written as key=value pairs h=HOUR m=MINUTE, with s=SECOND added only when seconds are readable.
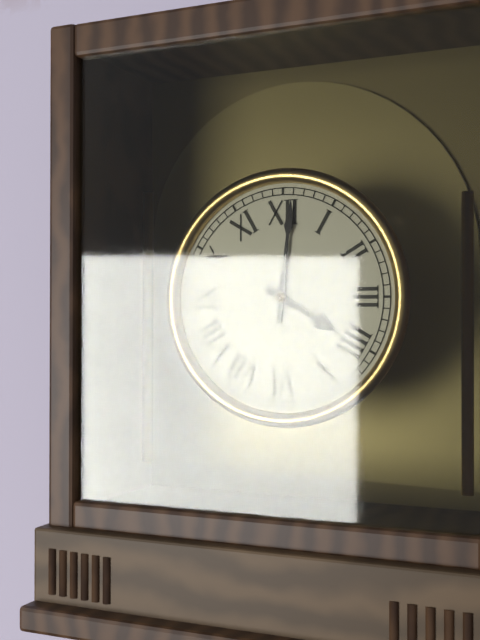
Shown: h=4 m=1
